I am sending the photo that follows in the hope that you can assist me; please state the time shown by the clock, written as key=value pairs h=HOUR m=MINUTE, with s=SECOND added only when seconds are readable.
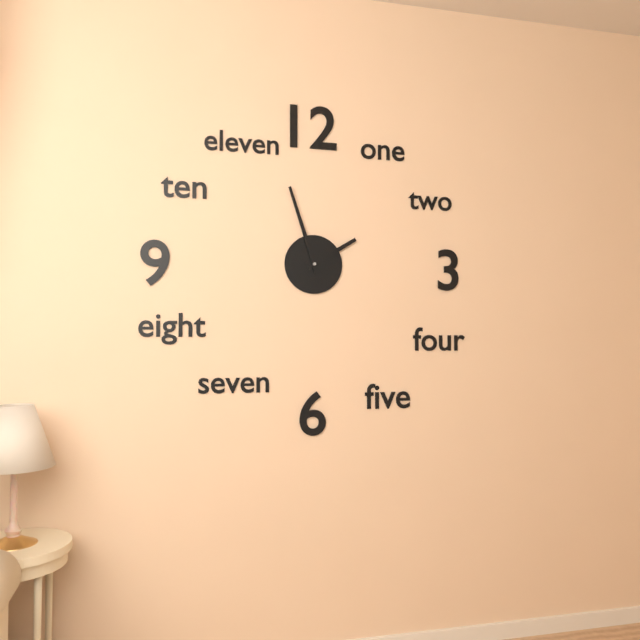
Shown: h=1 m=57
